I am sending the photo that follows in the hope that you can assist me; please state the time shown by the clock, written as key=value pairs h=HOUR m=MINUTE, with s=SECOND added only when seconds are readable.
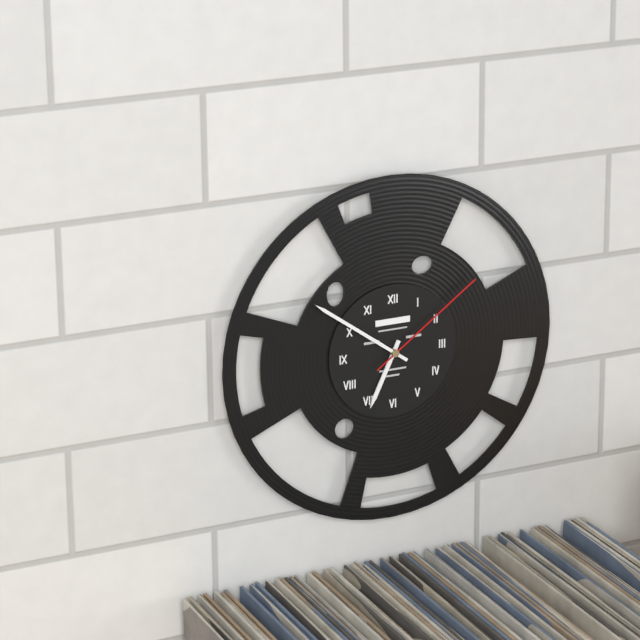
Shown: h=6 m=51 s=9
